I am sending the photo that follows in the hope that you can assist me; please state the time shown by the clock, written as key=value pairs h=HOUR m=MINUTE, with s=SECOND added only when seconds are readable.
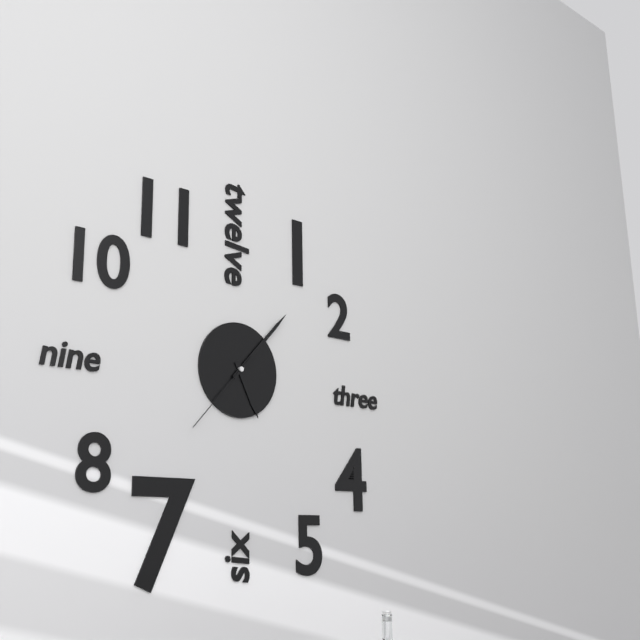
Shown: h=5 m=7 s=37
